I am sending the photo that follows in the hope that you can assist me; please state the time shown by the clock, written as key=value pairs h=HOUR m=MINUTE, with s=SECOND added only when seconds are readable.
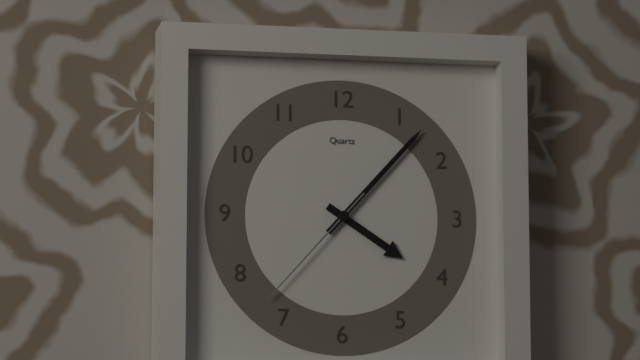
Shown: h=4 m=7 s=37
